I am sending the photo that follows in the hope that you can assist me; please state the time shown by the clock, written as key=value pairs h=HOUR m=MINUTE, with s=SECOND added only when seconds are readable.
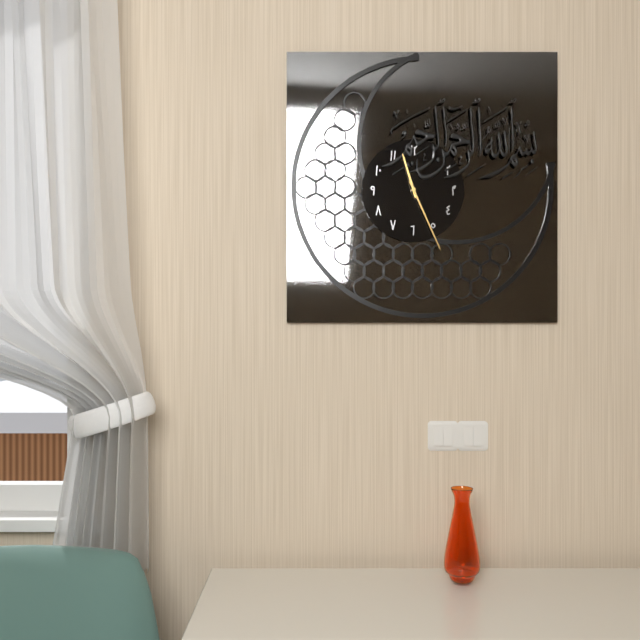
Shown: h=11 m=26
